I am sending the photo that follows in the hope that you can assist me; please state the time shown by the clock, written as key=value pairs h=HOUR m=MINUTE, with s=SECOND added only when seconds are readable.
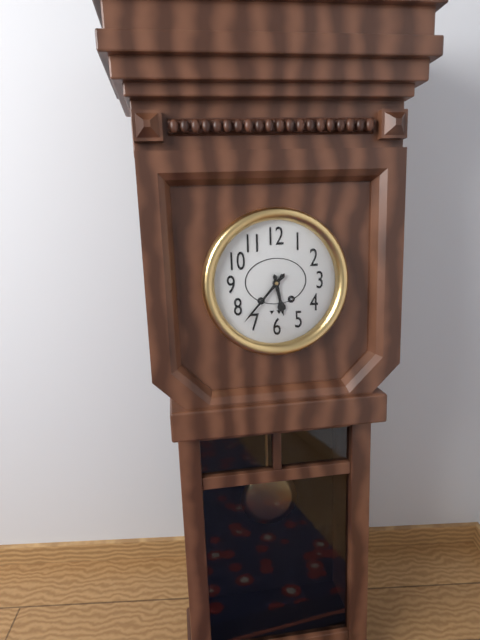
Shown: h=5 m=37
